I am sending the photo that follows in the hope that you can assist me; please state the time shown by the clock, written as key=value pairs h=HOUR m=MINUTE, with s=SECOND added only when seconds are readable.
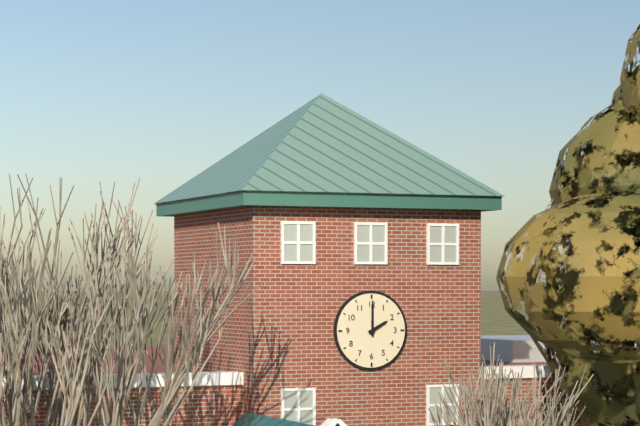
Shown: h=2 m=0
